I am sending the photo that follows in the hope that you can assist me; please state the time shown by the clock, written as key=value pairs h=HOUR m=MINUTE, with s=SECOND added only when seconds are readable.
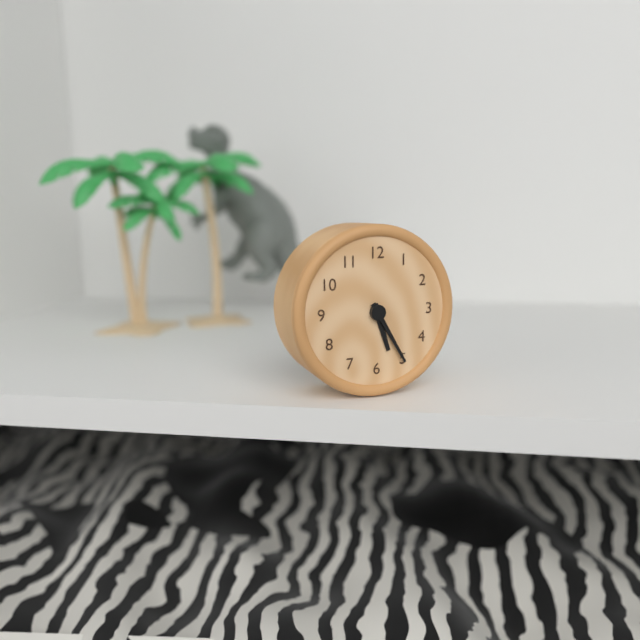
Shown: h=5 m=25
